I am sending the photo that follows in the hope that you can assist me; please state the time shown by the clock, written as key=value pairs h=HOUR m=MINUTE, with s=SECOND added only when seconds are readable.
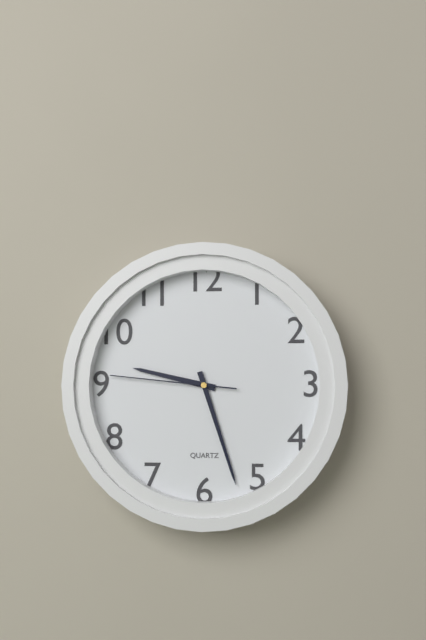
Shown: h=9 m=27 s=46
